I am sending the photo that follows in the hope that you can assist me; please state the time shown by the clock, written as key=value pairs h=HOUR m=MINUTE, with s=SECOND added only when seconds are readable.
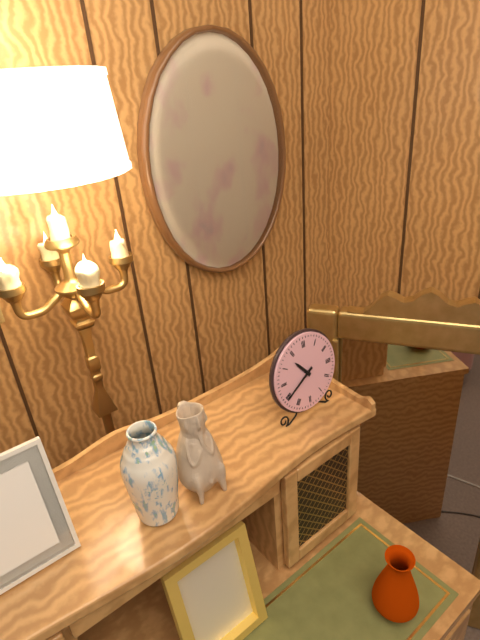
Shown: h=10 m=40
